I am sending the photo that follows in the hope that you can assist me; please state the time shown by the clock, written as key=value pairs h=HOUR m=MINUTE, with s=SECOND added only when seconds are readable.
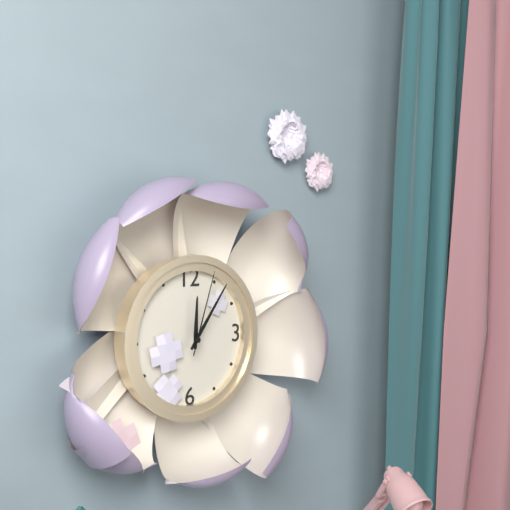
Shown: h=12 m=6 s=3
